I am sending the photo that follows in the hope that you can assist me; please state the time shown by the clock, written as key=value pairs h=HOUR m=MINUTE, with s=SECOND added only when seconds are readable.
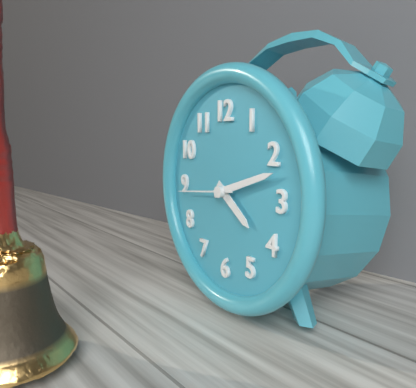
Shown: h=4 m=12 s=44
